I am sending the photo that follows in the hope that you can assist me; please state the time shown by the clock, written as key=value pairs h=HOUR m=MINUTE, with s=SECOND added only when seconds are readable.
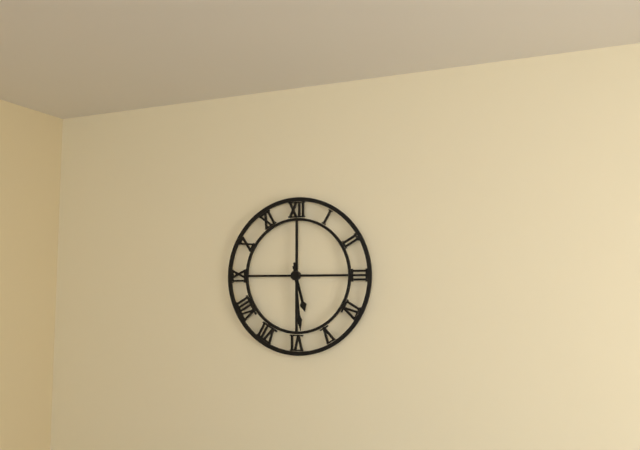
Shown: h=5 m=29
